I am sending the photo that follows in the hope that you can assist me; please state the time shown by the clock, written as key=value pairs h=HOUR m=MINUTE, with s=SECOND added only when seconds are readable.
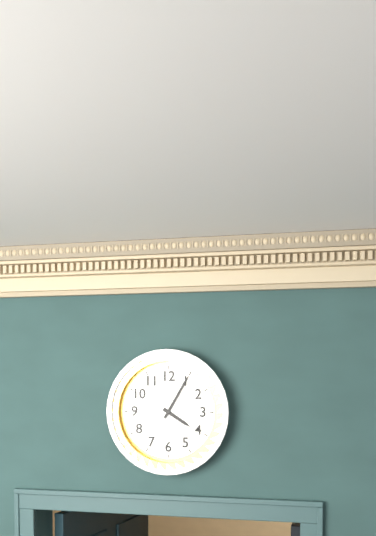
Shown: h=4 m=5
